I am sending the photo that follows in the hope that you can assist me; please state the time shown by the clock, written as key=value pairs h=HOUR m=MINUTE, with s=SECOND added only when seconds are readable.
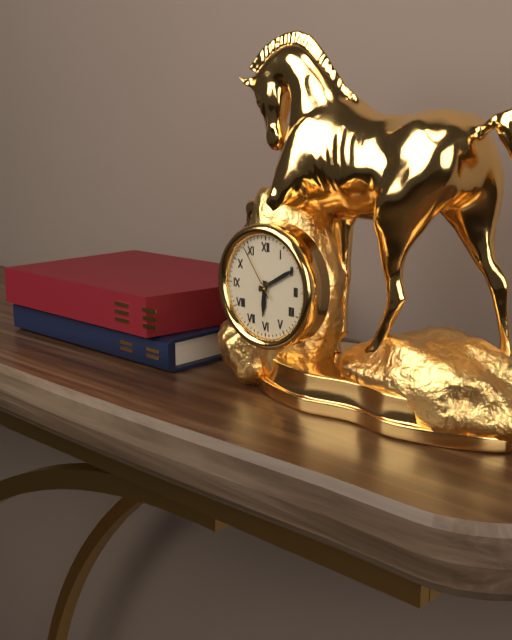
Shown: h=6 m=10 s=54
